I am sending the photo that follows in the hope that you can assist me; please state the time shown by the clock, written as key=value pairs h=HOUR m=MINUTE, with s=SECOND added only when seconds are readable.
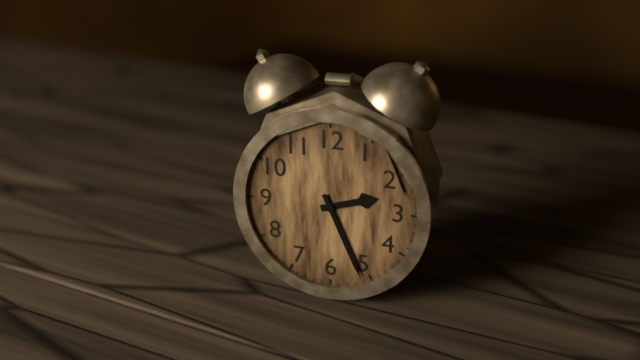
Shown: h=2 m=26
